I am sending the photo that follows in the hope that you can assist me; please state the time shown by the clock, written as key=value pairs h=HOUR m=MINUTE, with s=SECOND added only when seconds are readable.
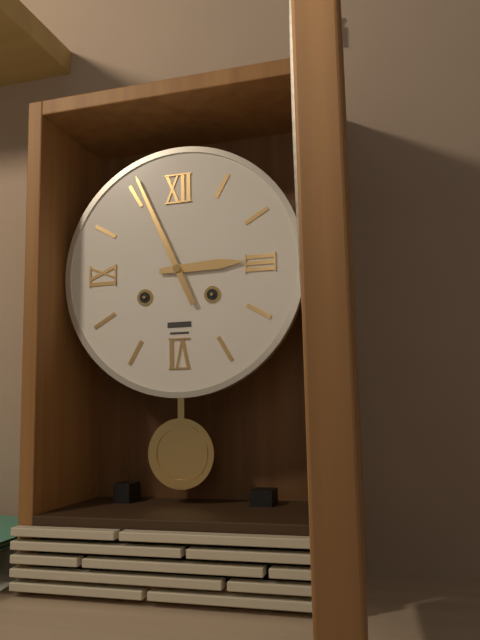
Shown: h=2 m=56
